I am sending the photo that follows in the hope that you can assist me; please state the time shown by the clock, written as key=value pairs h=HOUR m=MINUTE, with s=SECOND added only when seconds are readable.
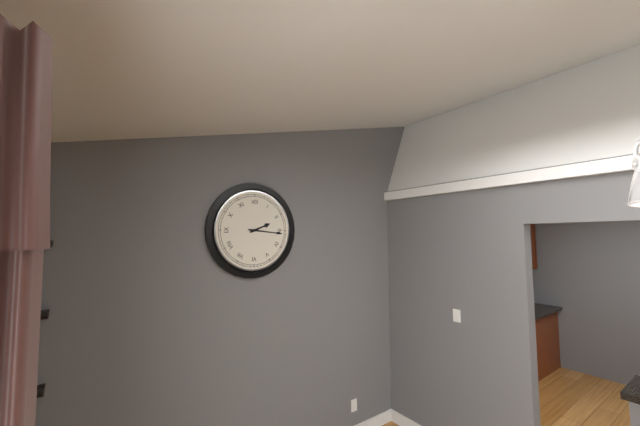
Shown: h=2 m=16
